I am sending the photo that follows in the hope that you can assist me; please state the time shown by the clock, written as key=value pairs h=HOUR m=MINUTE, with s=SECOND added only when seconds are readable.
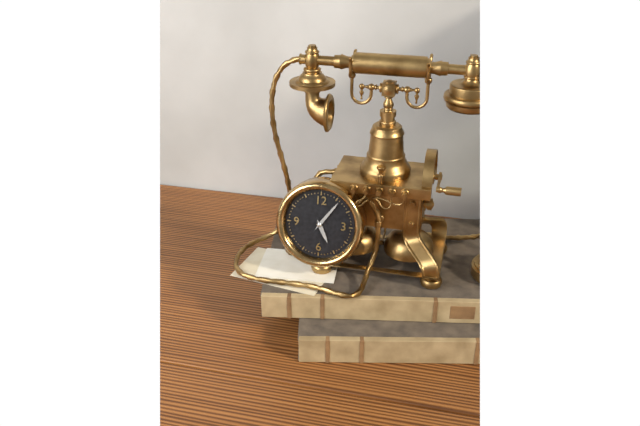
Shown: h=5 m=6
